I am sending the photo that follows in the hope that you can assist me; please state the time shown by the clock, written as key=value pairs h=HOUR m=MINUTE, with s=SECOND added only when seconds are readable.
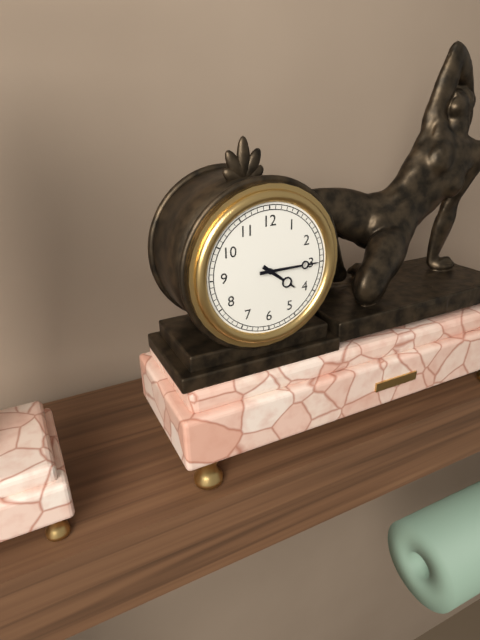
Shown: h=4 m=15
